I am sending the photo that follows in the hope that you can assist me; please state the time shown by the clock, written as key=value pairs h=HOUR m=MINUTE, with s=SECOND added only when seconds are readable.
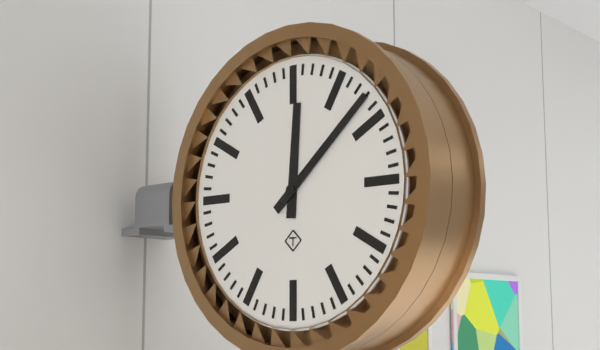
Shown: h=12 m=8
